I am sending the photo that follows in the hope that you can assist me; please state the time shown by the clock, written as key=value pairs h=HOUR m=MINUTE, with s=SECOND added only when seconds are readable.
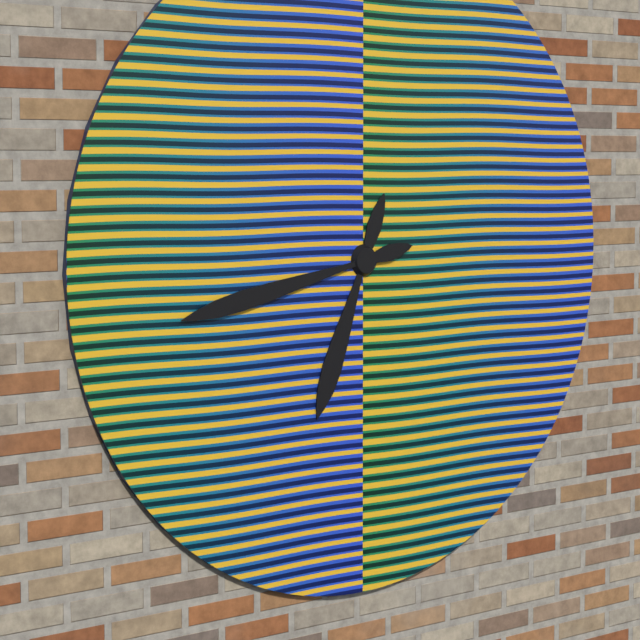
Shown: h=6 m=43
